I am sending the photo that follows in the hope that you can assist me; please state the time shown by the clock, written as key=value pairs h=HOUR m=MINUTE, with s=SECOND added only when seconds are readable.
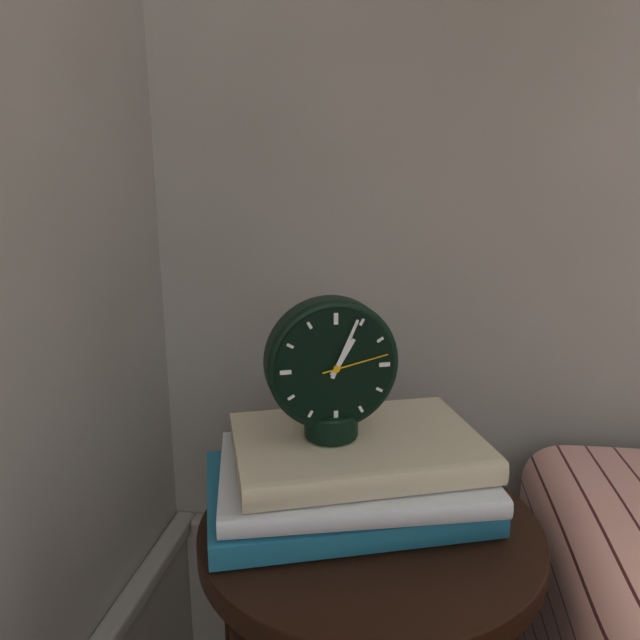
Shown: h=1 m=4 s=13
